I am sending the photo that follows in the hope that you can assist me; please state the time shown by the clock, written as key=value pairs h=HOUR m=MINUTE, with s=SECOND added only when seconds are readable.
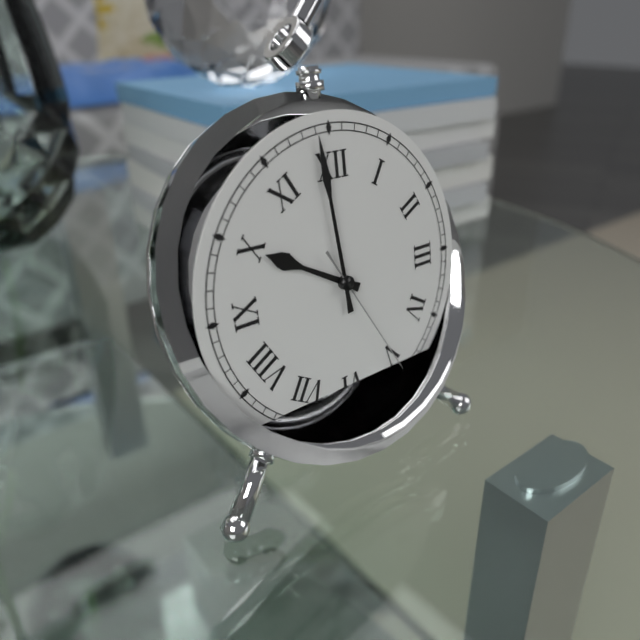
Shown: h=9 m=59 s=25
